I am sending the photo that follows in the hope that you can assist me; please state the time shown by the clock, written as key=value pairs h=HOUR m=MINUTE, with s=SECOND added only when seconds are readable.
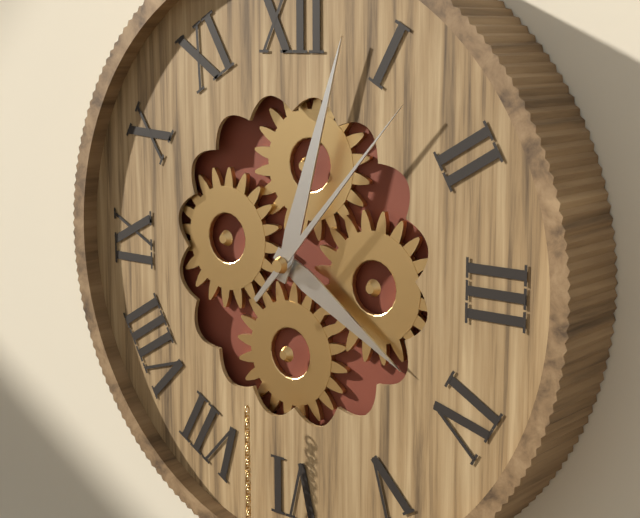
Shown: h=4 m=3 s=7
